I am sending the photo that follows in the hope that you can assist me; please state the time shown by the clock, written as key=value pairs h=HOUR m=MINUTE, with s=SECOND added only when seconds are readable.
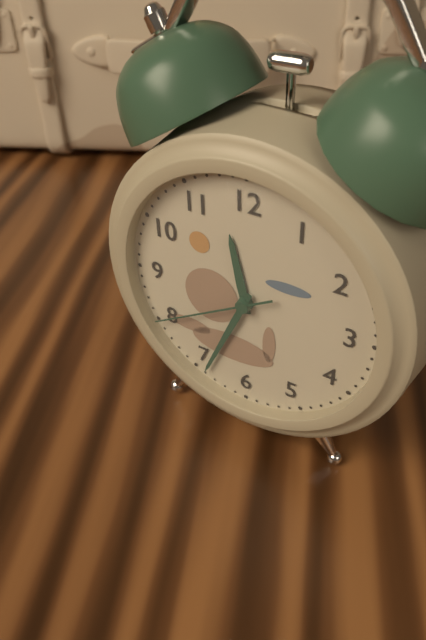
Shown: h=11 m=34 s=40
